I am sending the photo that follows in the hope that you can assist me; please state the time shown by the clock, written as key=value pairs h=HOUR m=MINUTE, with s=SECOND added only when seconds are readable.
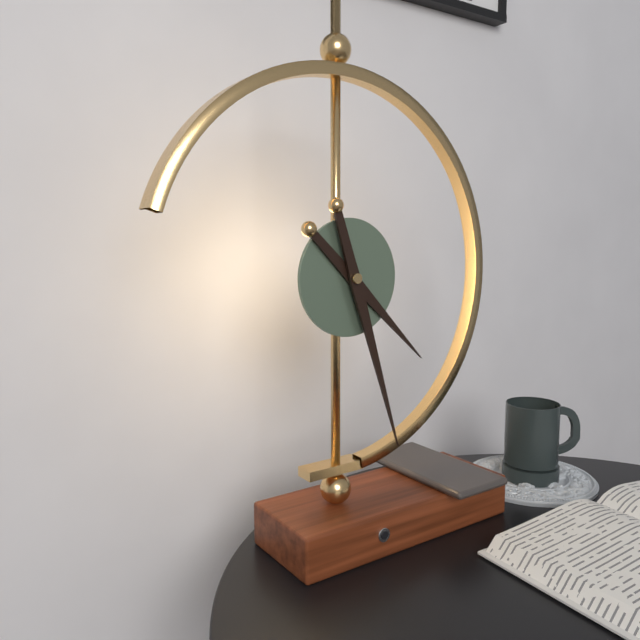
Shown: h=4 m=27
